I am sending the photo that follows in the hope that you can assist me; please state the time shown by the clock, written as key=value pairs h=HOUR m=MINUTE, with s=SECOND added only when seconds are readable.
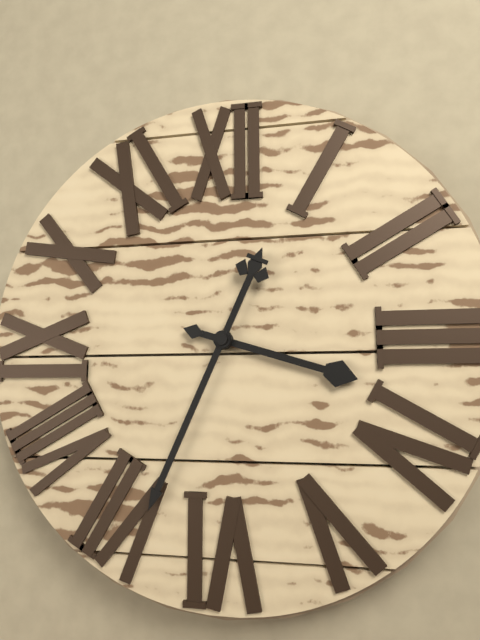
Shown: h=3 m=34
